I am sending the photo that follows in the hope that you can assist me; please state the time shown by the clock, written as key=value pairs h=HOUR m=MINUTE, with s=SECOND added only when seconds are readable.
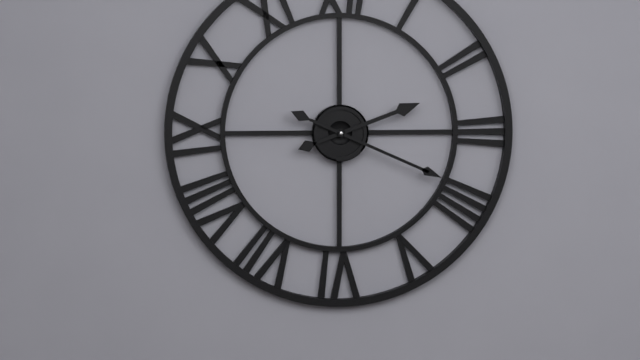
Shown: h=2 m=19
